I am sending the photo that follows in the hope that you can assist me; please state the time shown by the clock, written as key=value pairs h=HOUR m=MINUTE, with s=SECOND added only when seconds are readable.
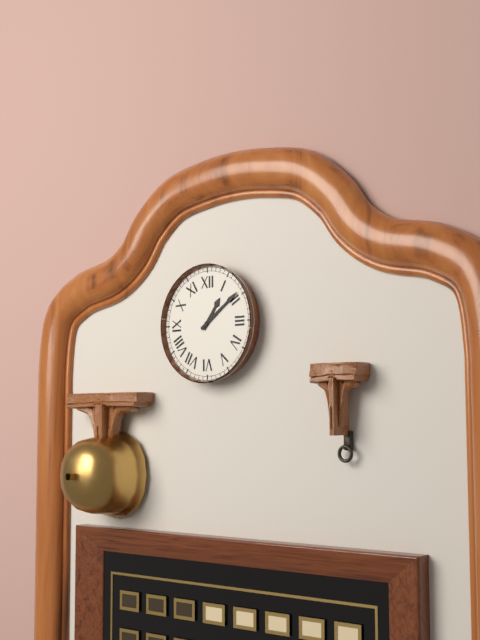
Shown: h=1 m=9
